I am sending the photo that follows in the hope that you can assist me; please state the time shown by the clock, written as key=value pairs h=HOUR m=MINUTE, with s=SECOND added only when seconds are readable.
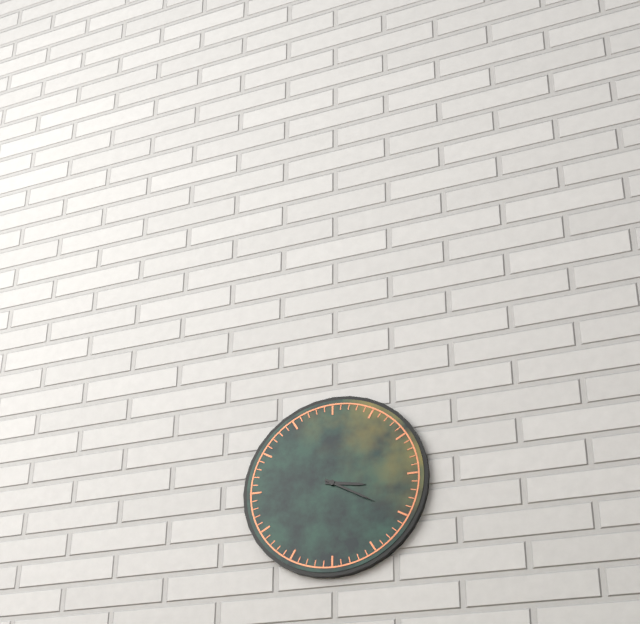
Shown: h=3 m=20
